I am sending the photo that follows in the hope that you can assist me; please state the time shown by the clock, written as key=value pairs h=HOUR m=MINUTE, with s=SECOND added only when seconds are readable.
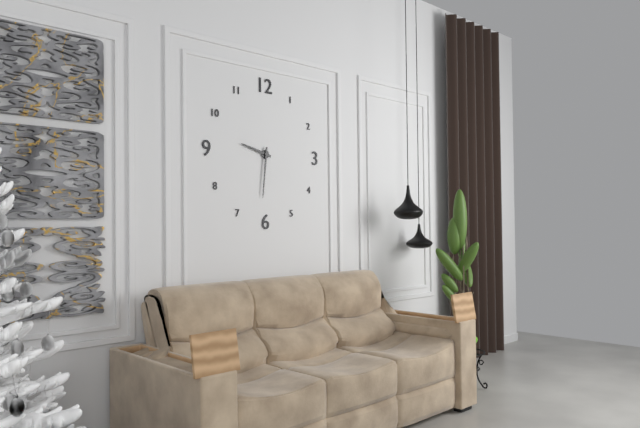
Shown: h=9 m=31
